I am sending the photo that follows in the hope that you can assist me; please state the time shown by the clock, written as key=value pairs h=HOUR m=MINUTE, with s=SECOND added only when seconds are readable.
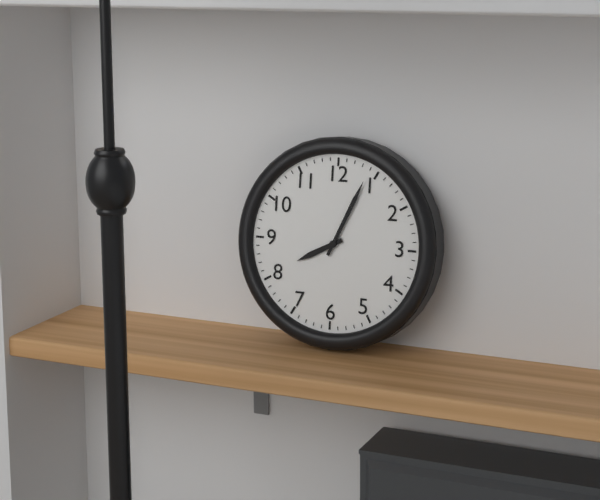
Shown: h=8 m=4
